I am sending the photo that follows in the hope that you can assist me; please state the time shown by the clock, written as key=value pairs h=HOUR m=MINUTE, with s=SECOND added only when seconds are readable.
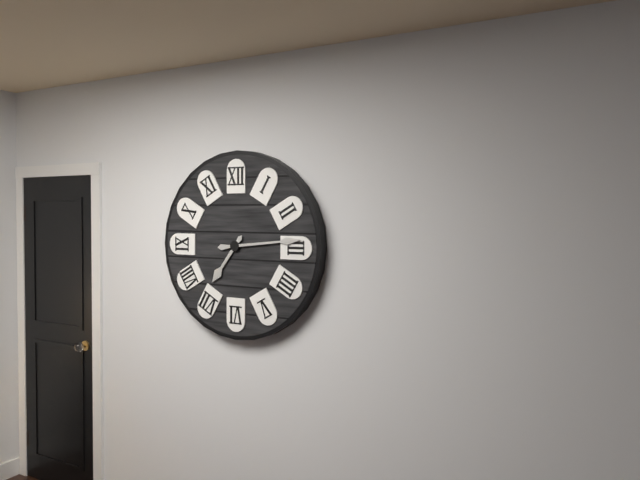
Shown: h=7 m=14
